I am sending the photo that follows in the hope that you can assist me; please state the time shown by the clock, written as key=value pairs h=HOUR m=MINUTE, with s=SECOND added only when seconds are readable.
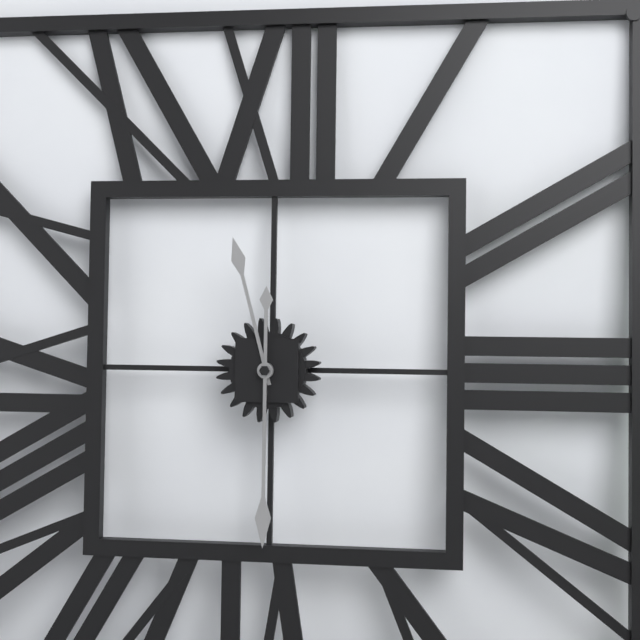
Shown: h=11 m=30
